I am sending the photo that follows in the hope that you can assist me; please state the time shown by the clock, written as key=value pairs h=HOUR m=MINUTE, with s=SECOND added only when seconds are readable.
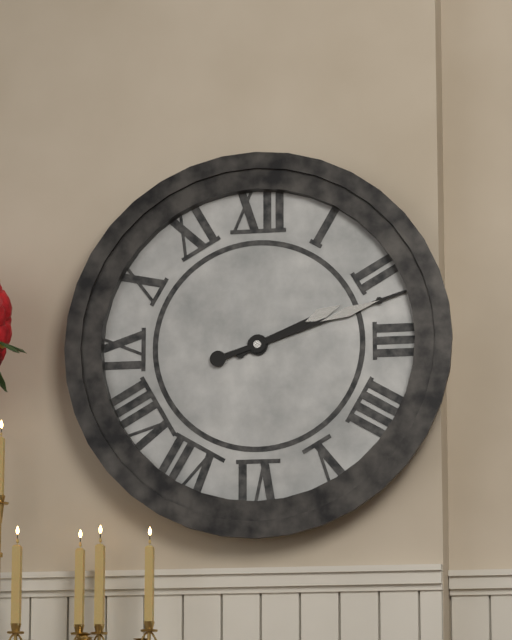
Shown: h=2 m=12
